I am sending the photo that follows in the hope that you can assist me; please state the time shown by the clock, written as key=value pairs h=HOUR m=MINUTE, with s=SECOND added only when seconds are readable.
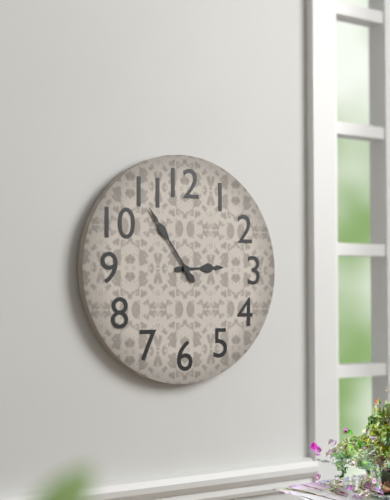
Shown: h=2 m=54
